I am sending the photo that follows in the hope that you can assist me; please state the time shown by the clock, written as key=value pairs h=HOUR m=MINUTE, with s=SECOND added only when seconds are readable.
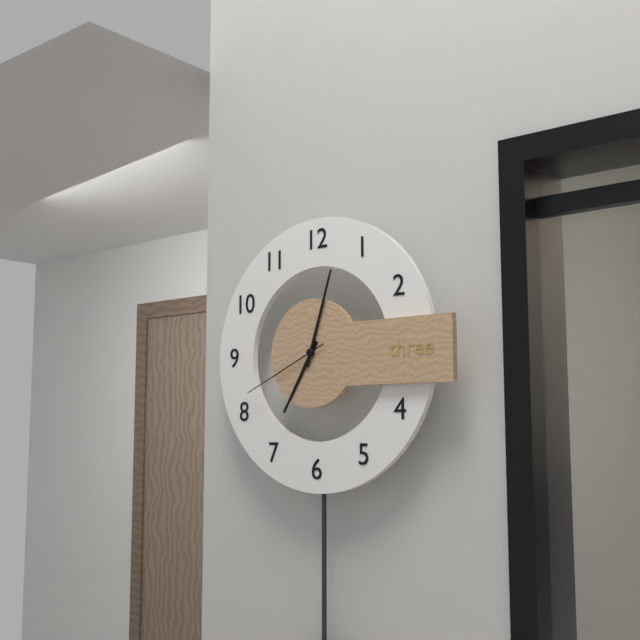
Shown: h=7 m=3 s=41
